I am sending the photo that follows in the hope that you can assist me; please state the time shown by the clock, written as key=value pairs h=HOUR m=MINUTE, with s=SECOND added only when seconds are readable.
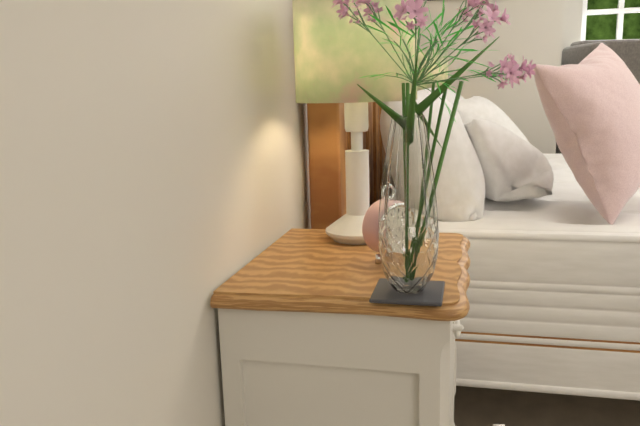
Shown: h=5 m=3
